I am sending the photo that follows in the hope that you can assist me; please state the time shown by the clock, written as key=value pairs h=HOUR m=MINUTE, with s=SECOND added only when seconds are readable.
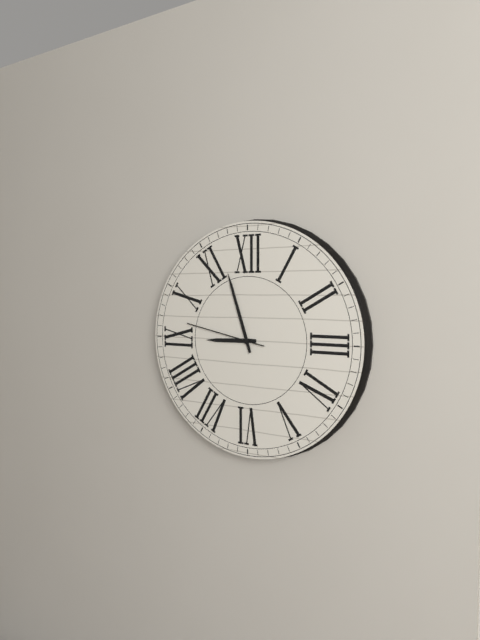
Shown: h=8 m=57 s=47
